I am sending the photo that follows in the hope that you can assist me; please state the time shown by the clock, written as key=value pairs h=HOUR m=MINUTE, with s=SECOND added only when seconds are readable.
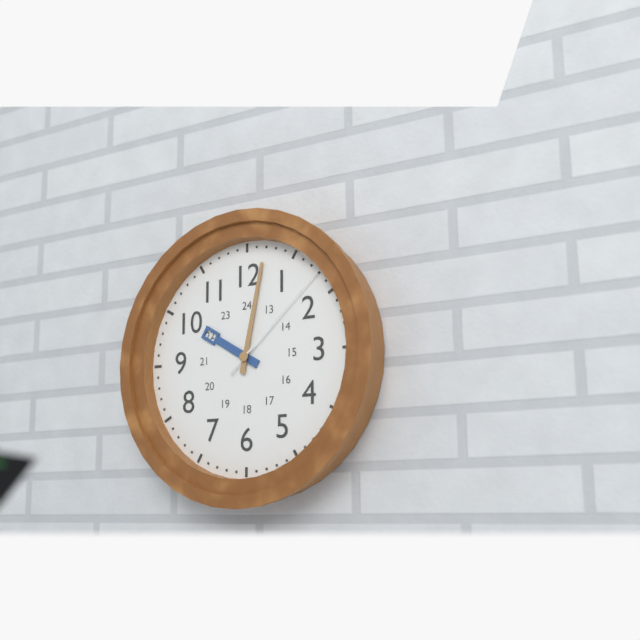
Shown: h=10 m=2 s=8
